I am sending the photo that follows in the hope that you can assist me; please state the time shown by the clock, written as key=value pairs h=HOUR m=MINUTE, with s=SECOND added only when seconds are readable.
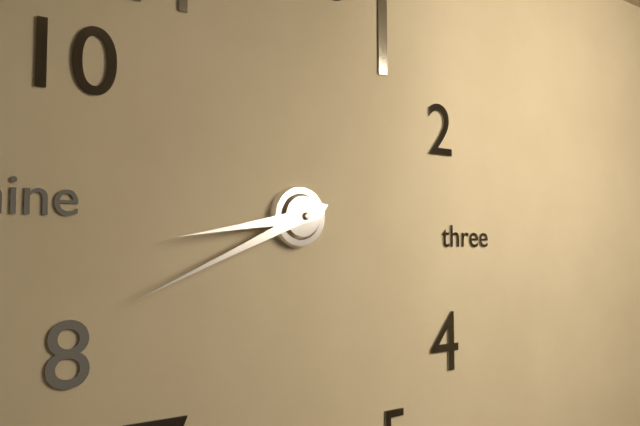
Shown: h=8 m=41
